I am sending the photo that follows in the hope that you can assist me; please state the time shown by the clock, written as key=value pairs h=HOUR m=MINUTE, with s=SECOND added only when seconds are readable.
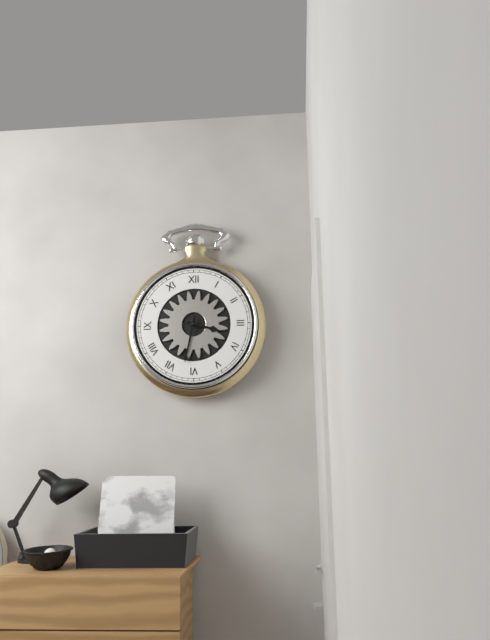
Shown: h=3 m=32
